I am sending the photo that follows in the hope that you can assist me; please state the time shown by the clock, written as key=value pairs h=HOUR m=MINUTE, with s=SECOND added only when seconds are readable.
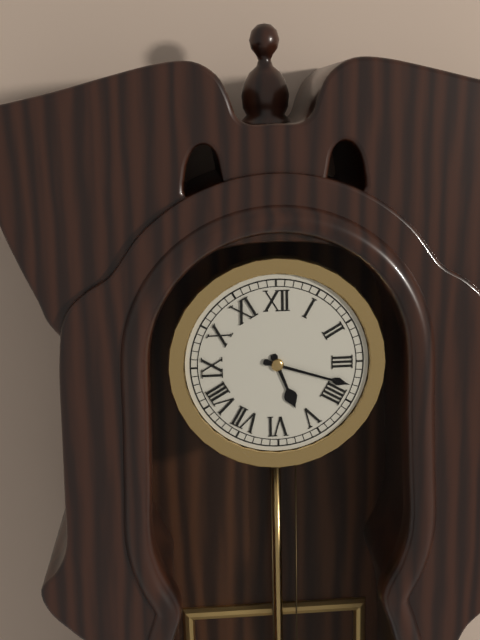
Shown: h=5 m=18
